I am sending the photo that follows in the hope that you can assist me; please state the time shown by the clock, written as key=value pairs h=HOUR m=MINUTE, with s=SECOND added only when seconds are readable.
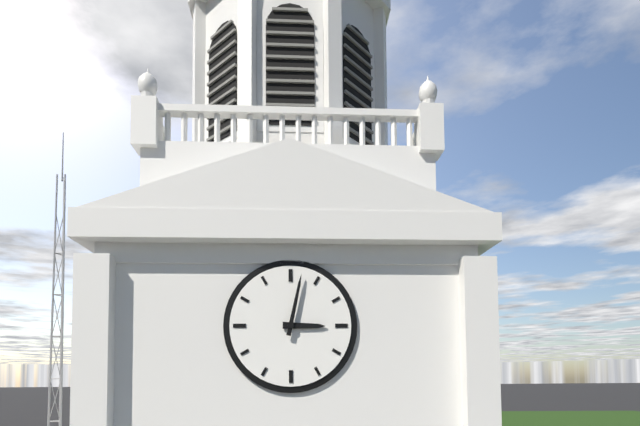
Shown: h=3 m=2
